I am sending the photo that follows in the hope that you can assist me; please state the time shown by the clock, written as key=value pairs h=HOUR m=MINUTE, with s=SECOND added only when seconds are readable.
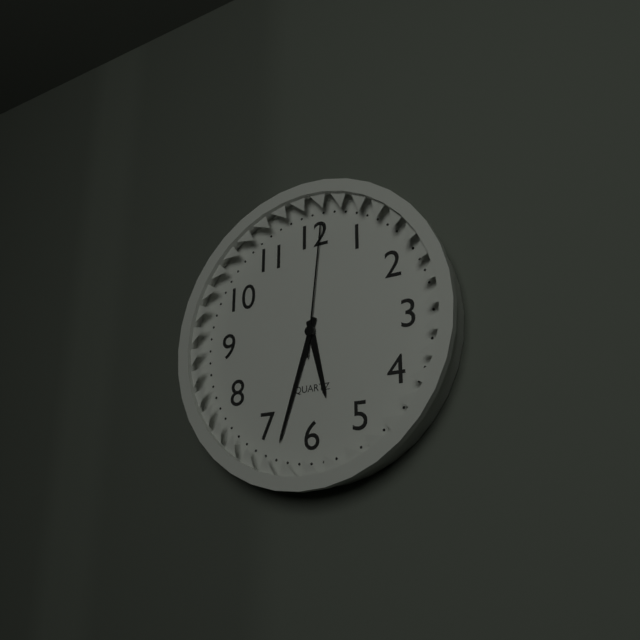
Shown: h=5 m=33 s=1
